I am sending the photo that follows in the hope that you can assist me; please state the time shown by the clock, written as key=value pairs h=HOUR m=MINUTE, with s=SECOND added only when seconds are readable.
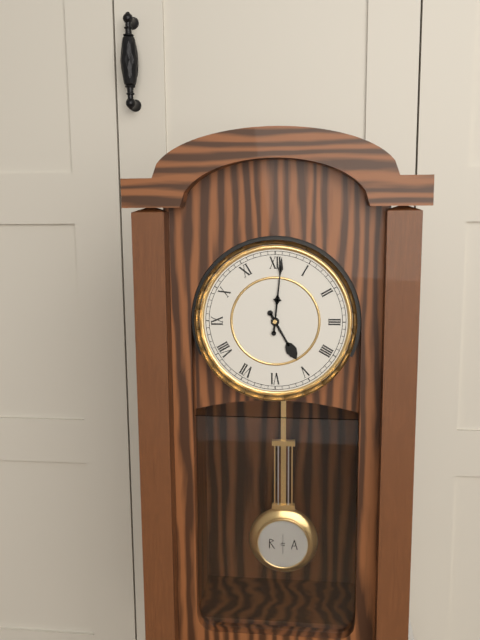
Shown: h=5 m=1
